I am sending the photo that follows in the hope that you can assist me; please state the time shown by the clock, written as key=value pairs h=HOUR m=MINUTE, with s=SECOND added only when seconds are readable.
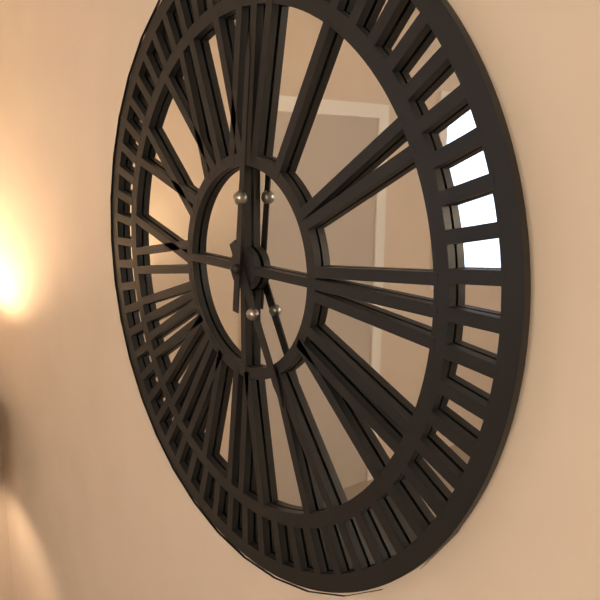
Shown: h=5 m=1
